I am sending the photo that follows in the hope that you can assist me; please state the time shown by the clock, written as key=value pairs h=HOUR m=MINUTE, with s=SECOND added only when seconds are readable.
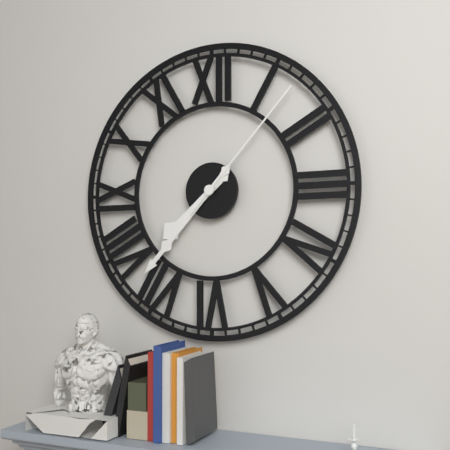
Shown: h=7 m=37 s=7
